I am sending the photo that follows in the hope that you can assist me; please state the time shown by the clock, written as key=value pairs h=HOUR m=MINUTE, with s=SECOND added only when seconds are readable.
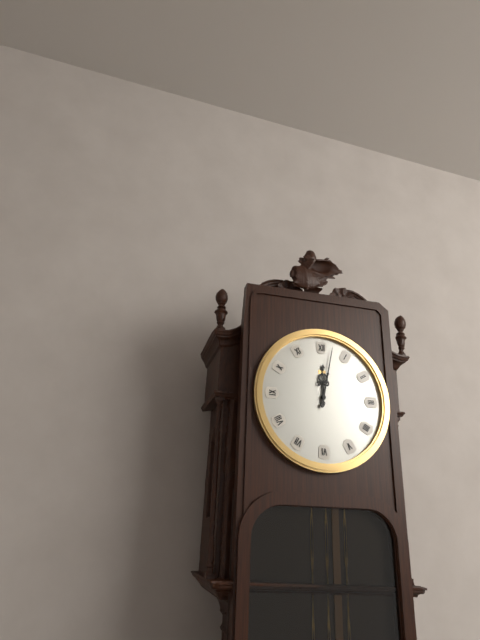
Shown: h=12 m=2
